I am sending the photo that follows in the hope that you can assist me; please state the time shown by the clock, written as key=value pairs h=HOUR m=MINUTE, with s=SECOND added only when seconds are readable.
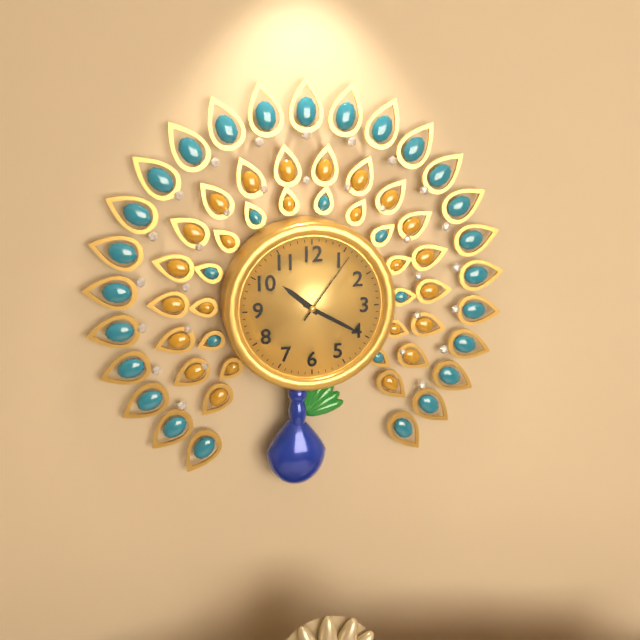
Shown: h=10 m=20 s=6
